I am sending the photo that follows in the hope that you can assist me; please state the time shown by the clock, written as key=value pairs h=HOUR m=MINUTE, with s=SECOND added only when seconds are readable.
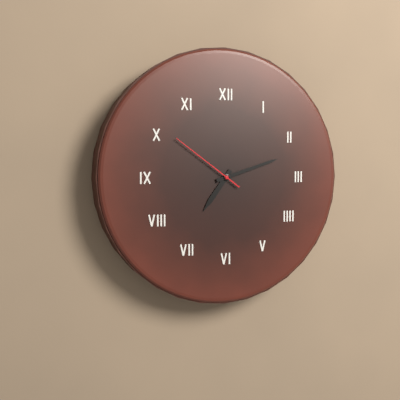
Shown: h=7 m=12 s=51
